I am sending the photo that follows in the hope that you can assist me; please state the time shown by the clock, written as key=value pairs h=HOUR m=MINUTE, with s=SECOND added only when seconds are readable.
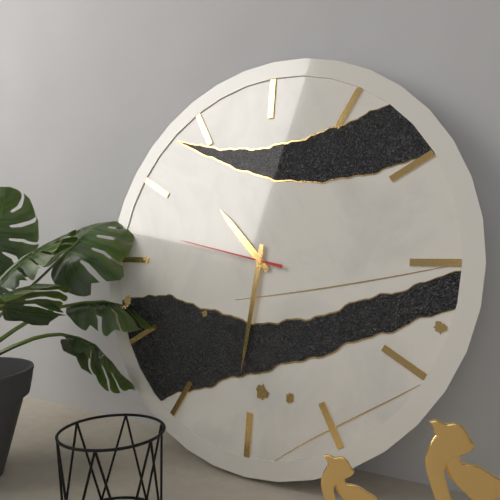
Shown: h=10 m=31 s=47
